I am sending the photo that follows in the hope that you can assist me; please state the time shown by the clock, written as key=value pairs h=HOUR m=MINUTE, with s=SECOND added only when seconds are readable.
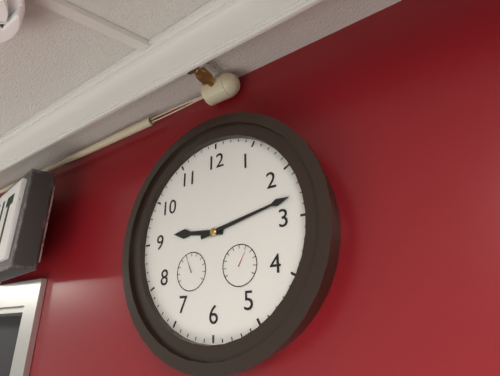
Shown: h=9 m=13
